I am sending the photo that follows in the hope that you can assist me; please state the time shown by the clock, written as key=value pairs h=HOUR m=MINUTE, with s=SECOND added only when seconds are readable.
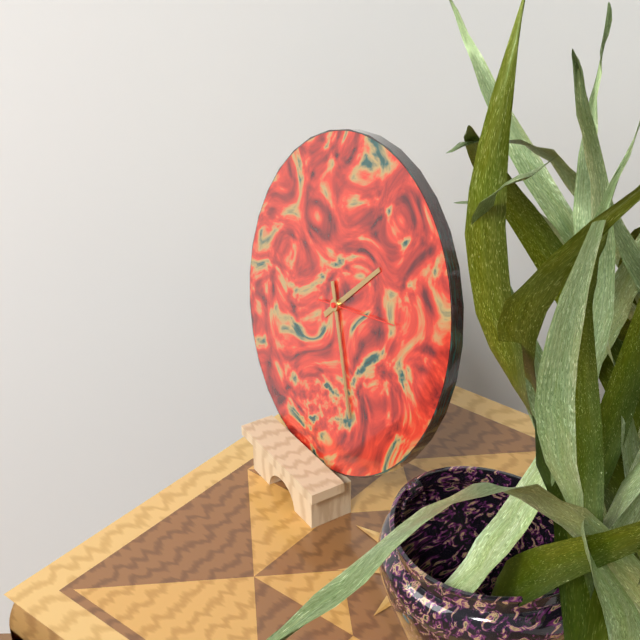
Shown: h=1 m=25 s=13
